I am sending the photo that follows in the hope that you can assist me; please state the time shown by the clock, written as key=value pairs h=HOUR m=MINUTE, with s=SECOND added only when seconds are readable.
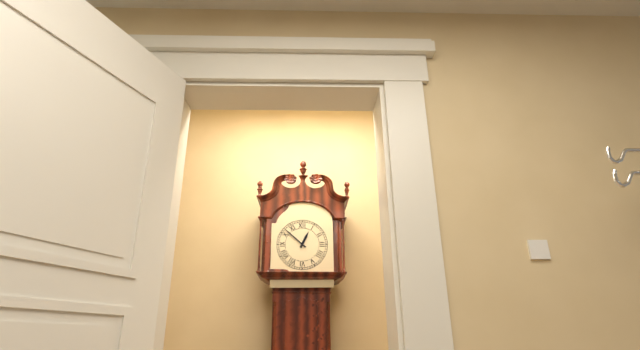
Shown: h=12 m=52
